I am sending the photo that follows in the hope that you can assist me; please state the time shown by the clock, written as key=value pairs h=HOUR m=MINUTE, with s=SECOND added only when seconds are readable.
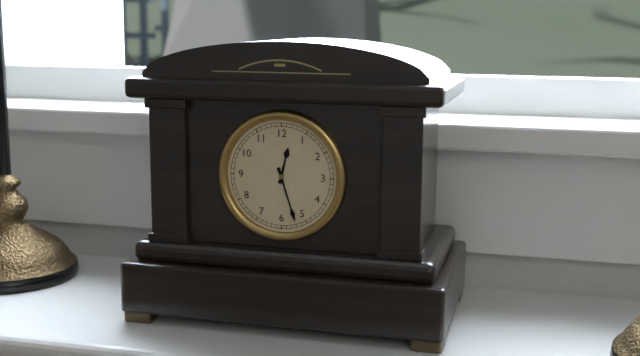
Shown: h=12 m=27
